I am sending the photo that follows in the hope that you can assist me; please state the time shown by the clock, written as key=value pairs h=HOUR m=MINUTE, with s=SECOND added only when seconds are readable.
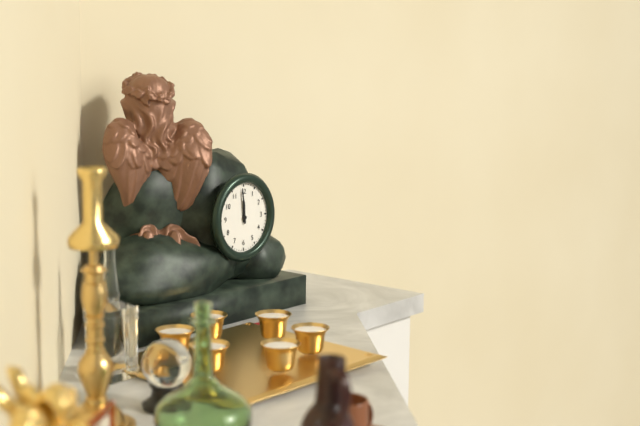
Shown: h=11 m=59
